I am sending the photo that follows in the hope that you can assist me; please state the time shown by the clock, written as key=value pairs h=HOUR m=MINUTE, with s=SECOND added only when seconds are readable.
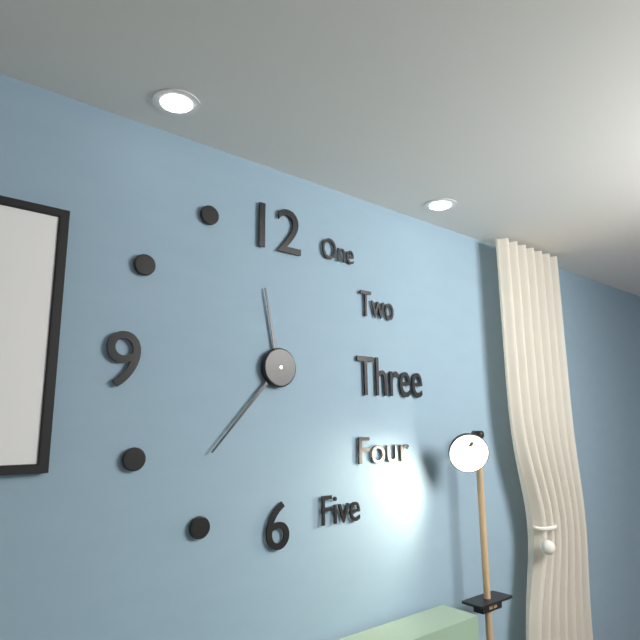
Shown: h=11 m=37
